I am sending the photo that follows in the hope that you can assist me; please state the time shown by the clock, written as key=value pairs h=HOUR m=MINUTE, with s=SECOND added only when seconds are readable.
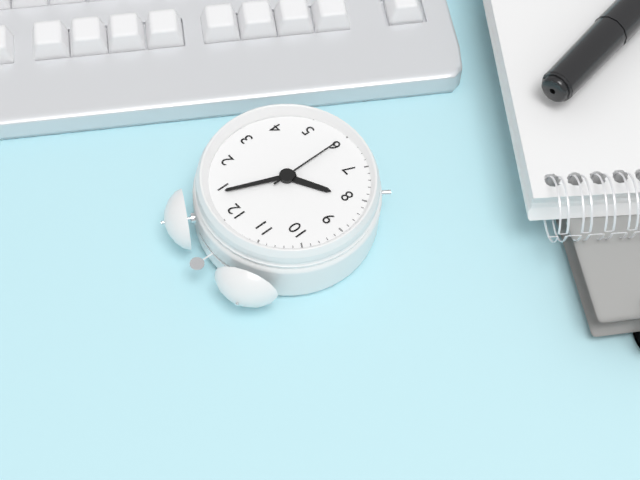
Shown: h=8 m=4 s=30
